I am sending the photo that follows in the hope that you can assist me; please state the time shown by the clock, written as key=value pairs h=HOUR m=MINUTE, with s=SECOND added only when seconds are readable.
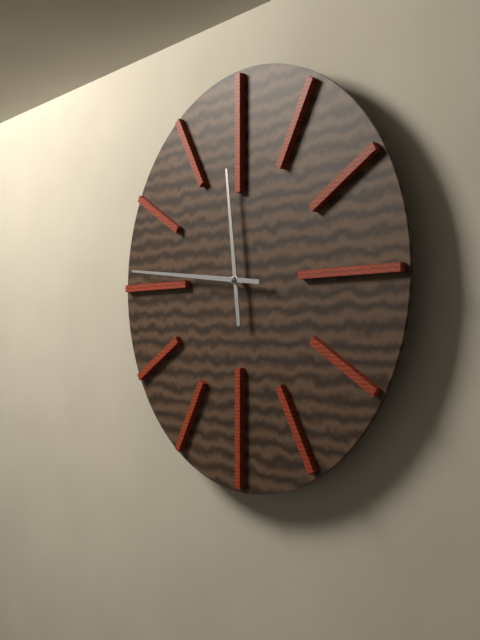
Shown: h=11 m=46
